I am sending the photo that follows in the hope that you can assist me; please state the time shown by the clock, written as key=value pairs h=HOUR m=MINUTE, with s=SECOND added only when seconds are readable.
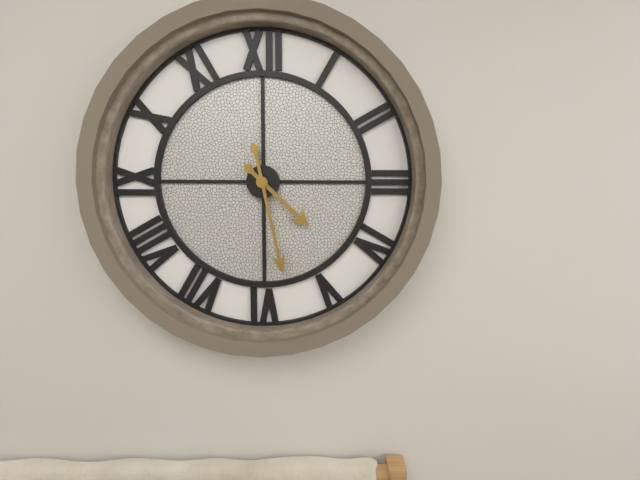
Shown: h=4 m=28
